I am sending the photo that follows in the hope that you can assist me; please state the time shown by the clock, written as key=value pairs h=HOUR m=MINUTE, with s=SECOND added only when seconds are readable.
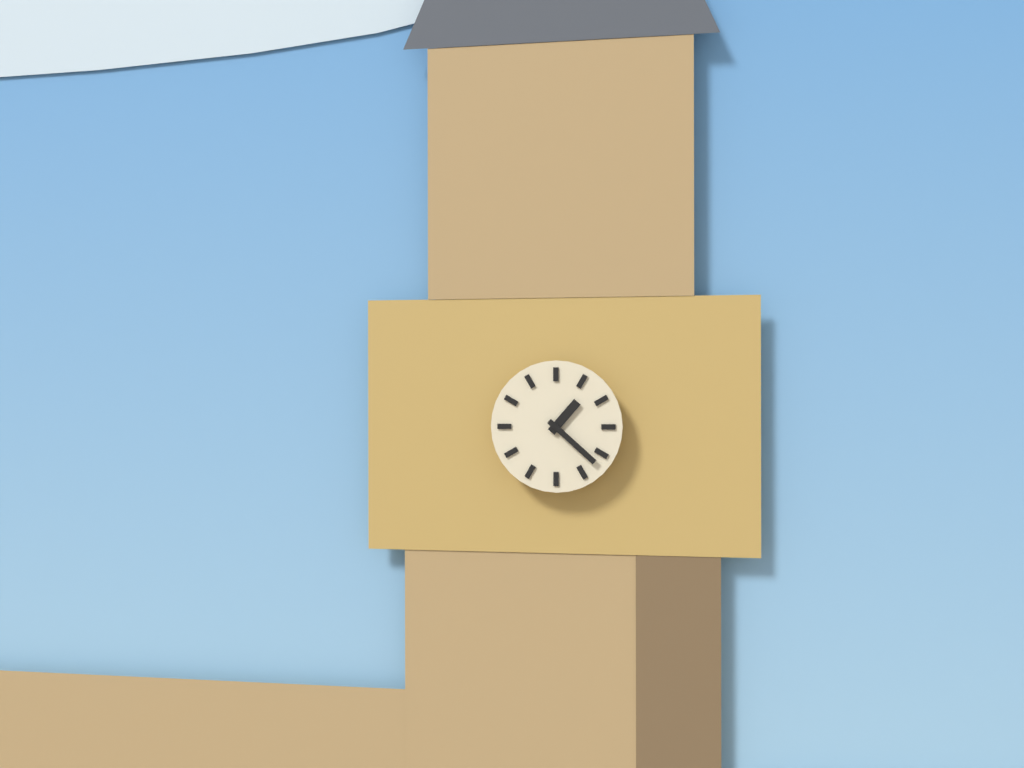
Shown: h=1 m=22
